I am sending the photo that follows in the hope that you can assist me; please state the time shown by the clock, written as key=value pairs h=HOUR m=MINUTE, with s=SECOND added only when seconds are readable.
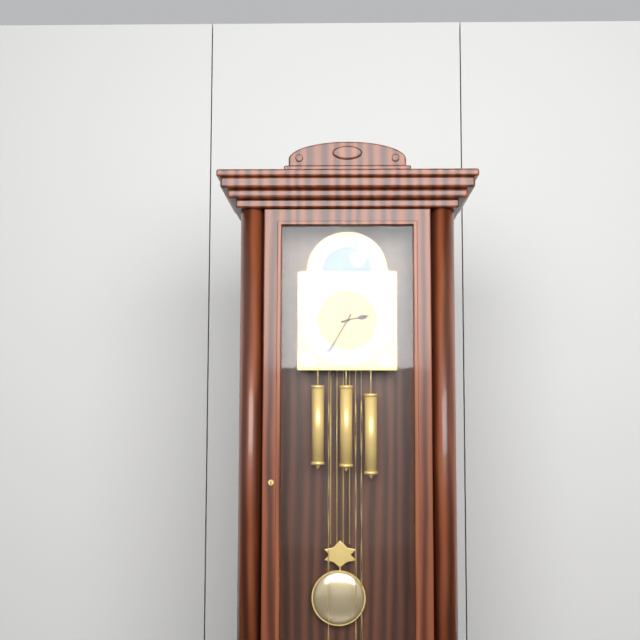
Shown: h=2 m=35
